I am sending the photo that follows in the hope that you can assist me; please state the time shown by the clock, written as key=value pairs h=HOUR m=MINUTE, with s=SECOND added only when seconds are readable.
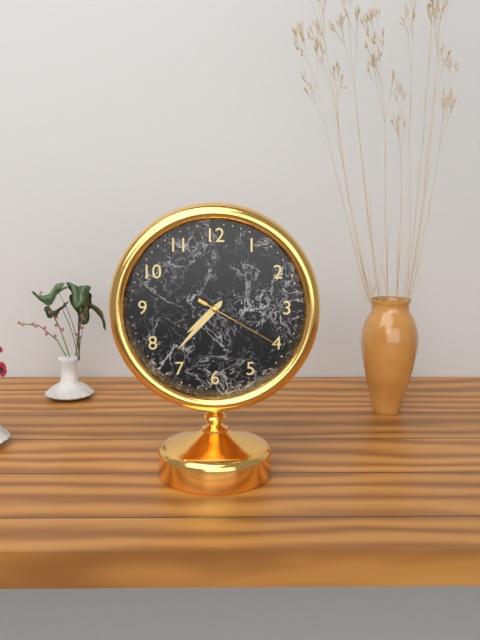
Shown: h=7 m=37 s=20
